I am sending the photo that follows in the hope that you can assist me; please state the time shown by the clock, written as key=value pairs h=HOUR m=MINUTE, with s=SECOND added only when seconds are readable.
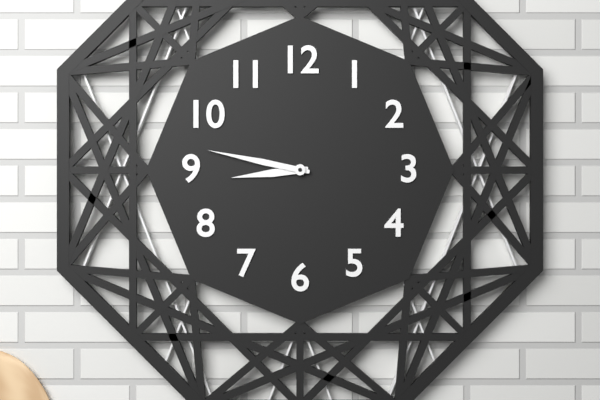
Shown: h=8 m=47
